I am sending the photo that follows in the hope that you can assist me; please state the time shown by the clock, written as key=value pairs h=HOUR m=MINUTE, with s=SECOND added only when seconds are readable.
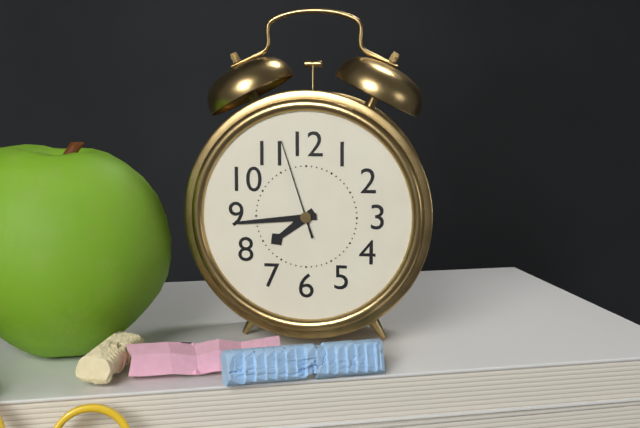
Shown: h=7 m=44 s=57
